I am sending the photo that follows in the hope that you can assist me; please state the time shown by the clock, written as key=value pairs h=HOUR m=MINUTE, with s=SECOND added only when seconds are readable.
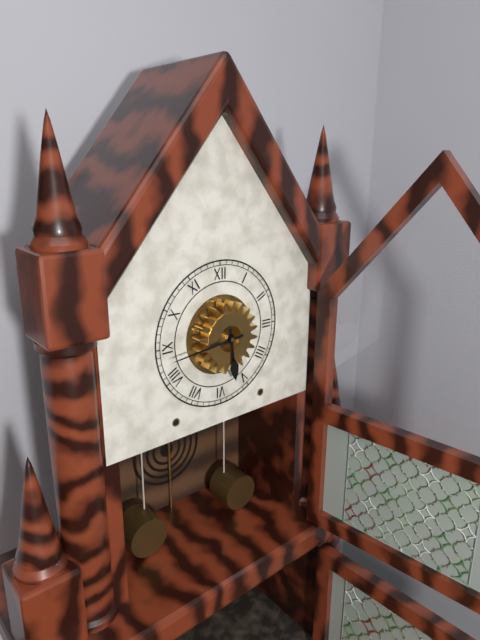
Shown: h=5 m=44
